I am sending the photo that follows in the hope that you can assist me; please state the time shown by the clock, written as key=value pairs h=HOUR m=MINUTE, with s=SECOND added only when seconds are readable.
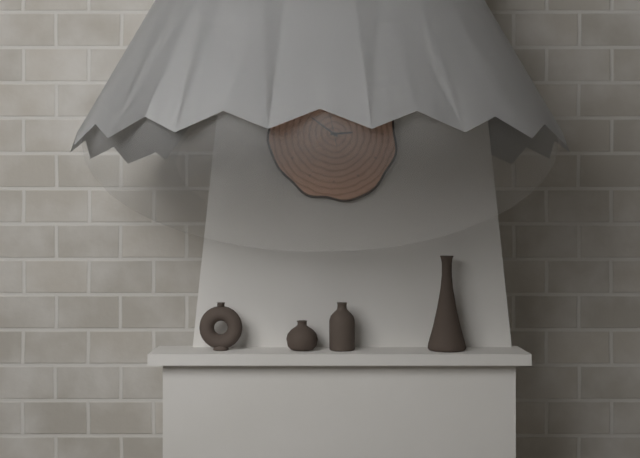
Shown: h=2 m=51
